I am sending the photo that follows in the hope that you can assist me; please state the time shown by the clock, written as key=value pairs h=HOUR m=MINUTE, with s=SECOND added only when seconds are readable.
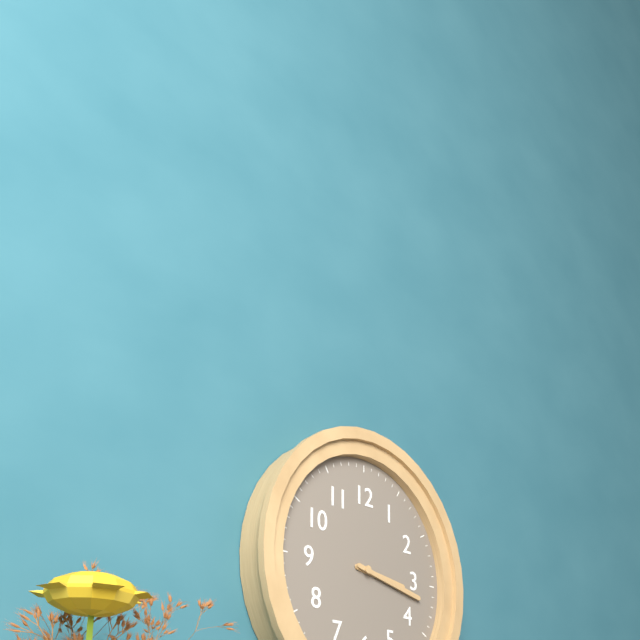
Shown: h=3 m=17
